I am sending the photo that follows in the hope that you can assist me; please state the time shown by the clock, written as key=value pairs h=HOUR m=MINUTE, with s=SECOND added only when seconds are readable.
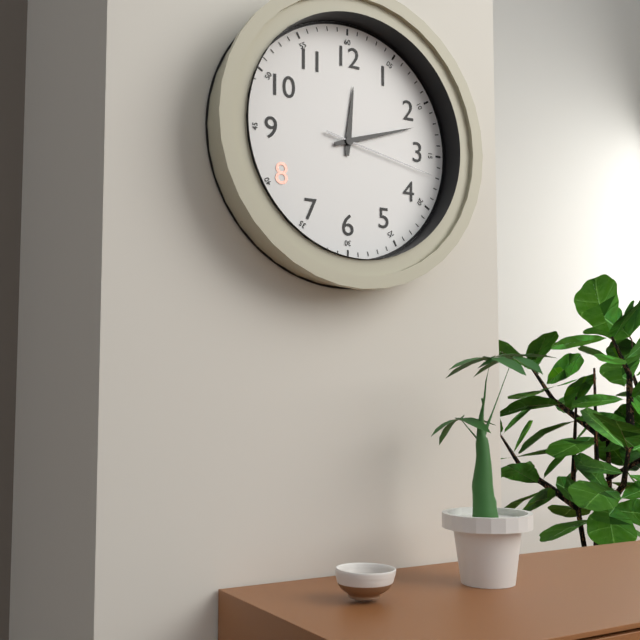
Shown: h=12 m=12 s=17
